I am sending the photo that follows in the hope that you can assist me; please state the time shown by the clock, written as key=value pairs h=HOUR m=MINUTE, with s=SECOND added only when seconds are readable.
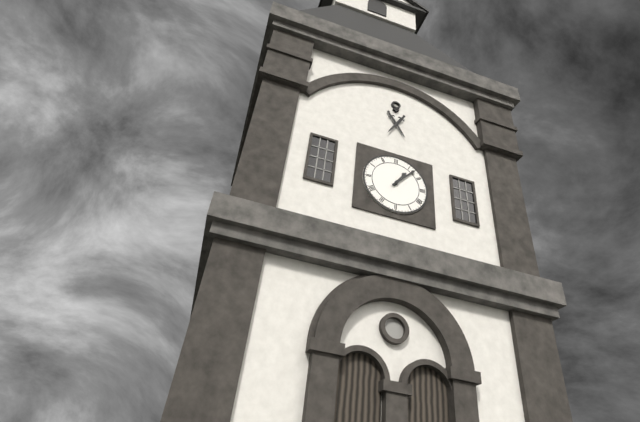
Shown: h=1 m=7
